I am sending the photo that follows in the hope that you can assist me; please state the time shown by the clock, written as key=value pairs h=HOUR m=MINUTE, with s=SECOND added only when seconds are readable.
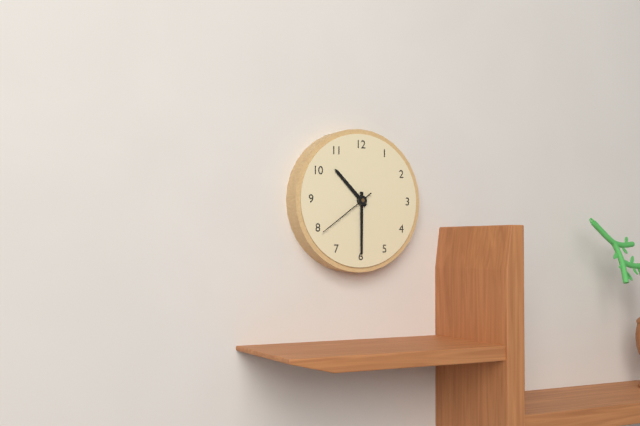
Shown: h=10 m=30 s=39
